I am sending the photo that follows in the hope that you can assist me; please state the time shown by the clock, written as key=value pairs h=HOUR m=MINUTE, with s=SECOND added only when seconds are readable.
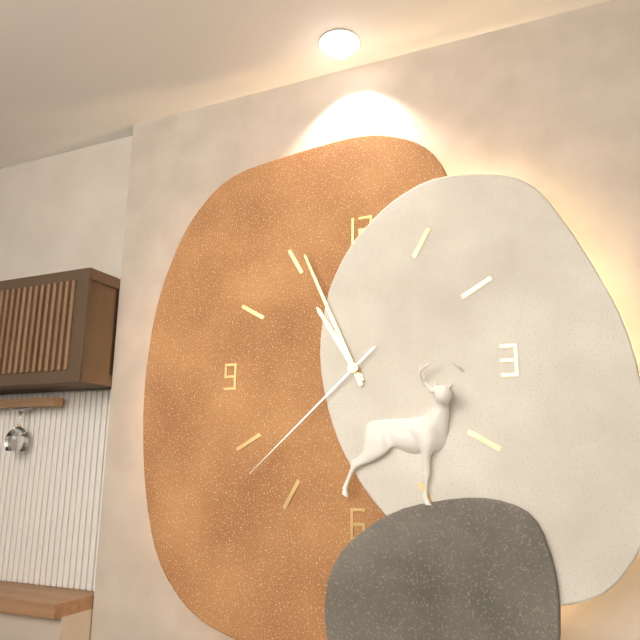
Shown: h=10 m=56 s=38
